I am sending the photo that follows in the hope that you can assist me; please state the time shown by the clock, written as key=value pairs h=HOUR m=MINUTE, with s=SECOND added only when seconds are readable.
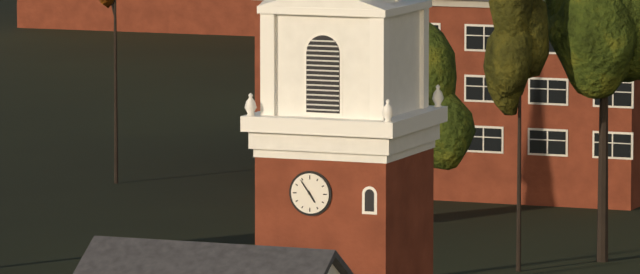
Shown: h=4 m=54
